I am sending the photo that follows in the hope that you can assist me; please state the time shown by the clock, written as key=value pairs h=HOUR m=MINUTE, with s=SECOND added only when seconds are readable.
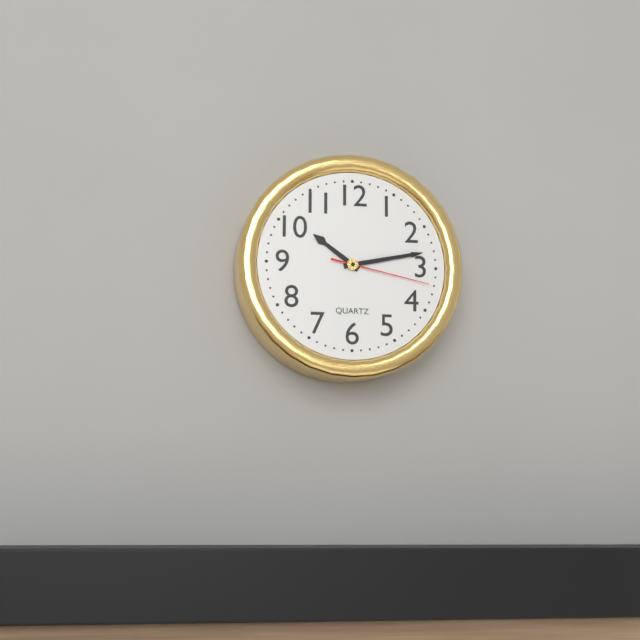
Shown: h=10 m=13 s=17
